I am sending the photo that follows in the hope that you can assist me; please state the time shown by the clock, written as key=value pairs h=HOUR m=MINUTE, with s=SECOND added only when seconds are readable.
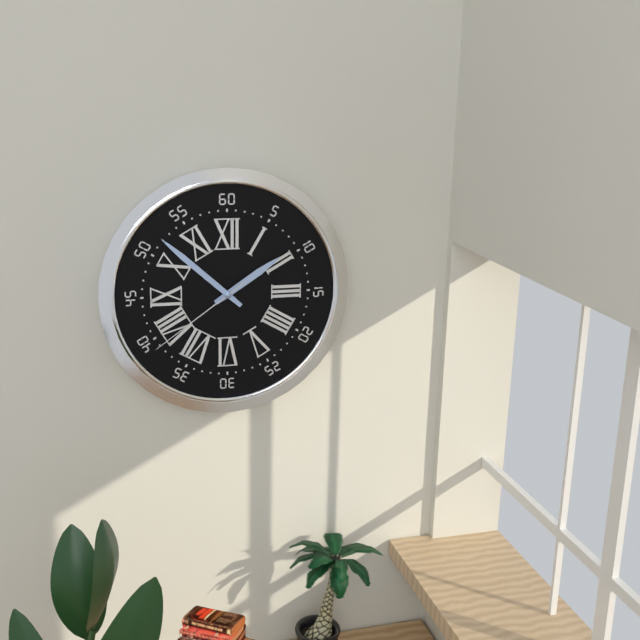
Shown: h=1 m=52 s=39
